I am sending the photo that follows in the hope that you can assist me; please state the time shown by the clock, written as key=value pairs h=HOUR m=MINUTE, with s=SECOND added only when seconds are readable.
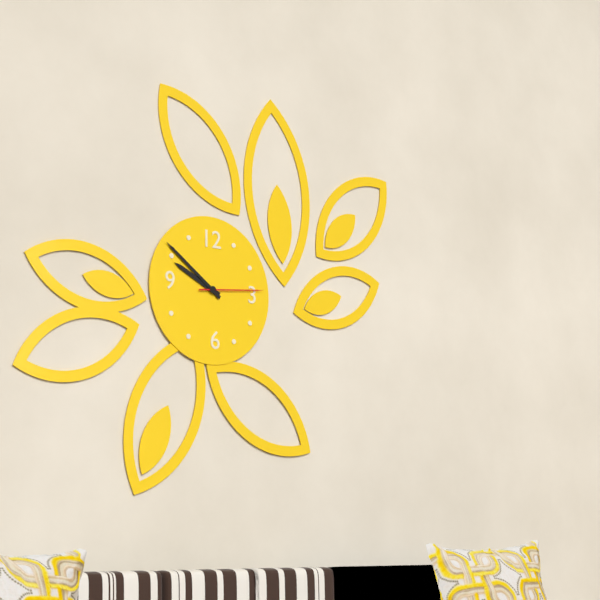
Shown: h=9 m=51 s=14
